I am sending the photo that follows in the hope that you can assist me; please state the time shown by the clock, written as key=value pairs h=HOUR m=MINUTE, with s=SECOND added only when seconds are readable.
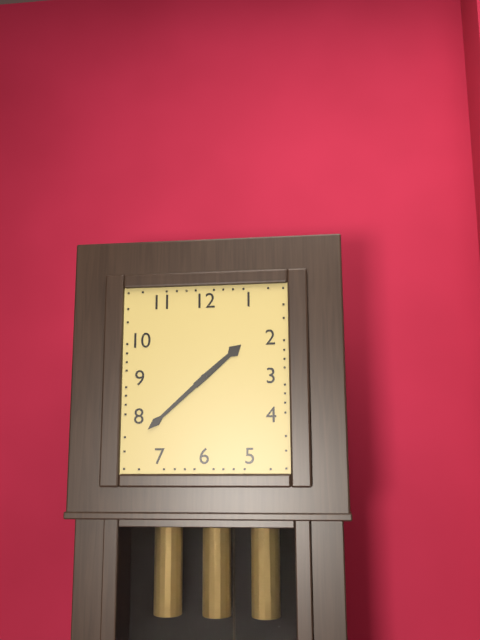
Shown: h=1 m=38
